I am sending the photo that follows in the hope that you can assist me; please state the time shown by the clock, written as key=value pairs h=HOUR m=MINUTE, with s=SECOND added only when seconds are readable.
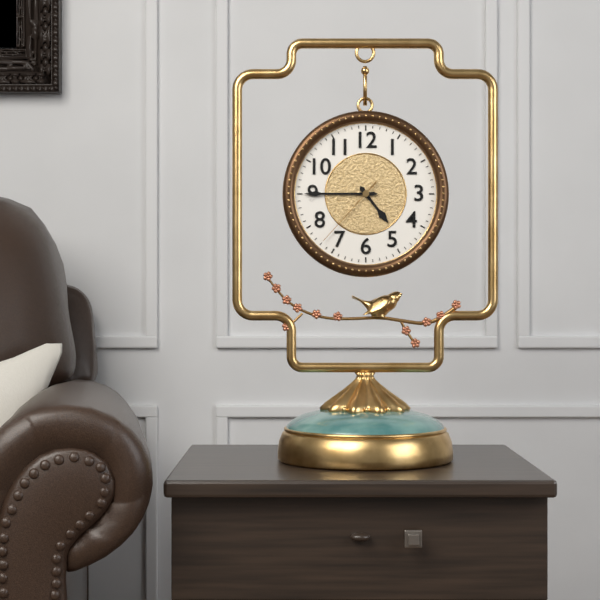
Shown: h=4 m=45 s=37
